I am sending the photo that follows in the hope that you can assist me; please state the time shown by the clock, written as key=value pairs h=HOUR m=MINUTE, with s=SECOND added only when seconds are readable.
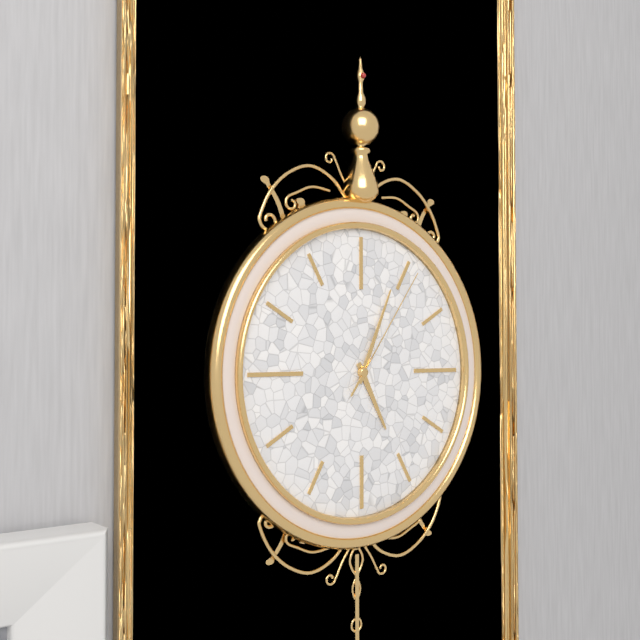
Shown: h=5 m=4 s=6
